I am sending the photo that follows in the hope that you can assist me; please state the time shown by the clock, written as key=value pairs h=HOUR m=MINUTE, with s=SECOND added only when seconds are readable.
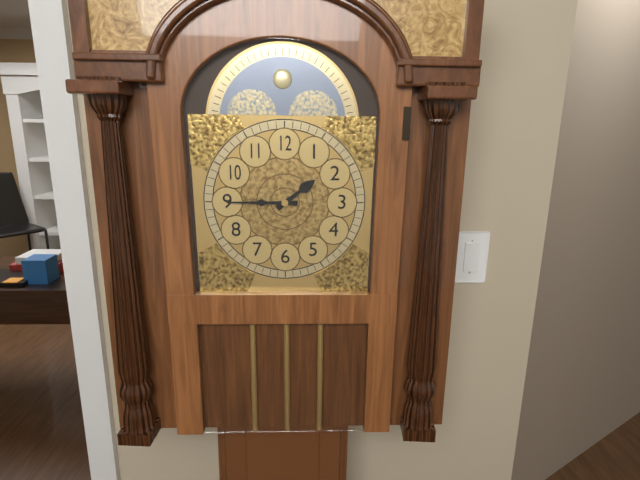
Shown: h=1 m=45
